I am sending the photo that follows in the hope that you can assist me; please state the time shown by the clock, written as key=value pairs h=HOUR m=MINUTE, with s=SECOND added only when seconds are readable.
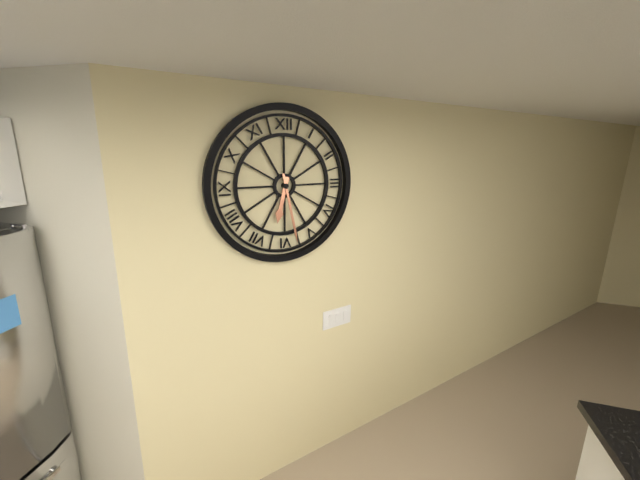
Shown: h=6 m=28
